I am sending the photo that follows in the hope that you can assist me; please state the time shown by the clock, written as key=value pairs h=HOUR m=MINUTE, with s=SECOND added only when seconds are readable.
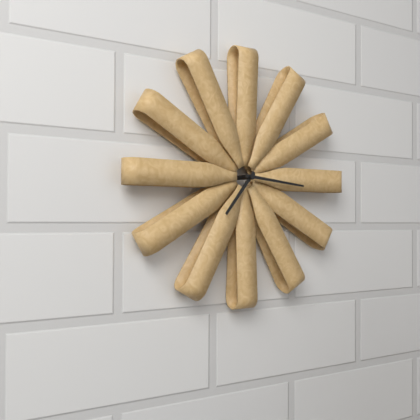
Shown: h=7 m=16
